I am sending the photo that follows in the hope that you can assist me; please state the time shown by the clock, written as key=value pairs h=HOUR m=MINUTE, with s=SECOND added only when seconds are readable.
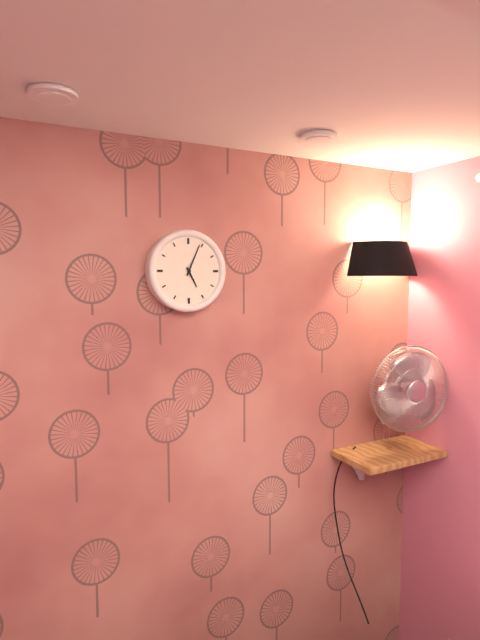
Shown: h=5 m=4
